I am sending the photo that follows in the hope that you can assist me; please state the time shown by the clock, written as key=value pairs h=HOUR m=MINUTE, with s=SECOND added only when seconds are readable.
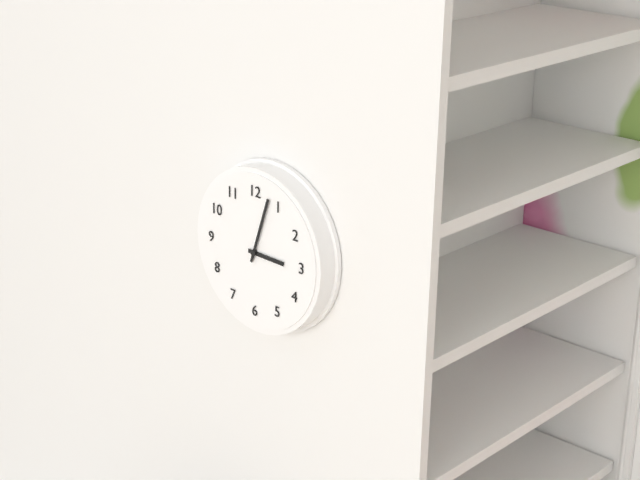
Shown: h=3 m=3
